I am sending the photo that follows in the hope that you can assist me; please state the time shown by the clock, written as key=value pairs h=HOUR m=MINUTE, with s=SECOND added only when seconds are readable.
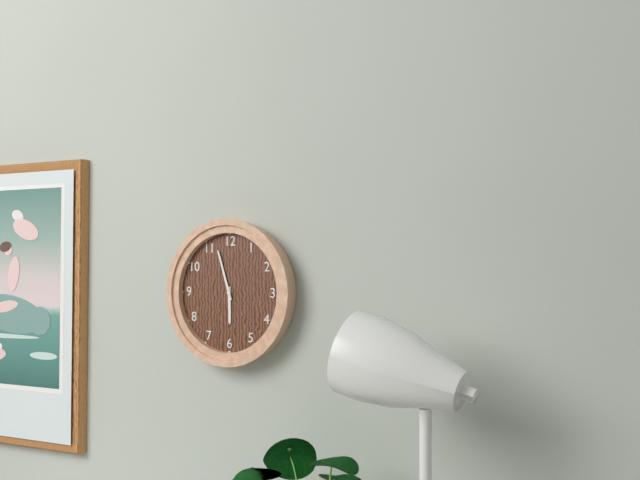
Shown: h=5 m=57
